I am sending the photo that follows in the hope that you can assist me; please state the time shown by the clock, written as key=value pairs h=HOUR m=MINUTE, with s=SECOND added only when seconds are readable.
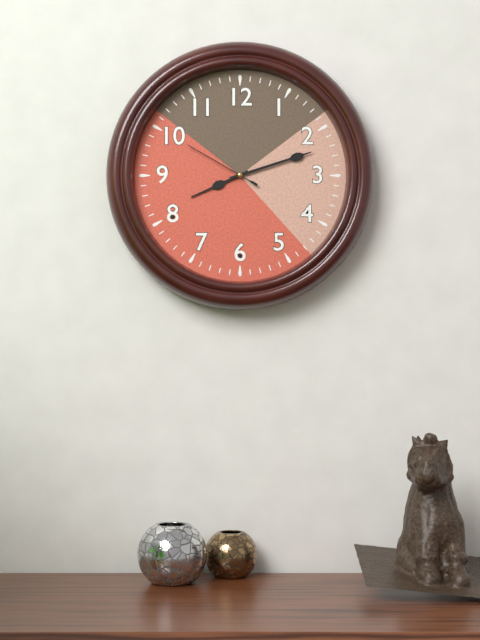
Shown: h=8 m=12 s=50
